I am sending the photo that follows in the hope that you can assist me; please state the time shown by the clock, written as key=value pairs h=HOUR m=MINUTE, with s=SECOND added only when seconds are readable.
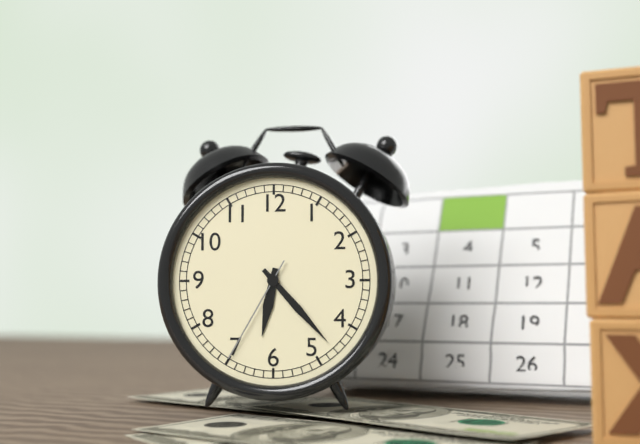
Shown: h=6 m=23 s=35
